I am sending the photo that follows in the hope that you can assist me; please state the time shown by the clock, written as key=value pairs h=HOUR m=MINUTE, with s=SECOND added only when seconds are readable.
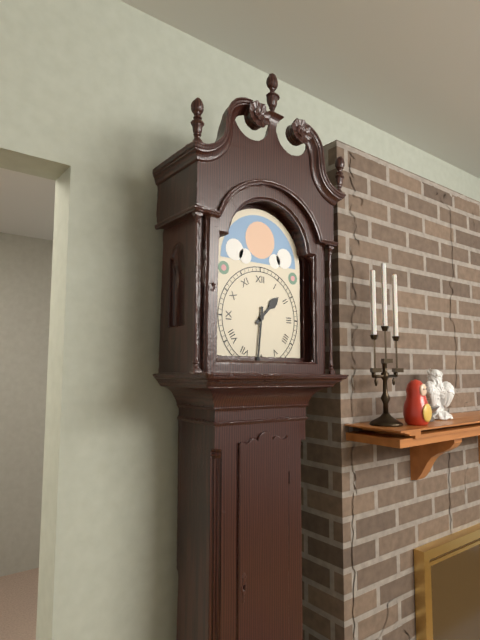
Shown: h=1 m=31
